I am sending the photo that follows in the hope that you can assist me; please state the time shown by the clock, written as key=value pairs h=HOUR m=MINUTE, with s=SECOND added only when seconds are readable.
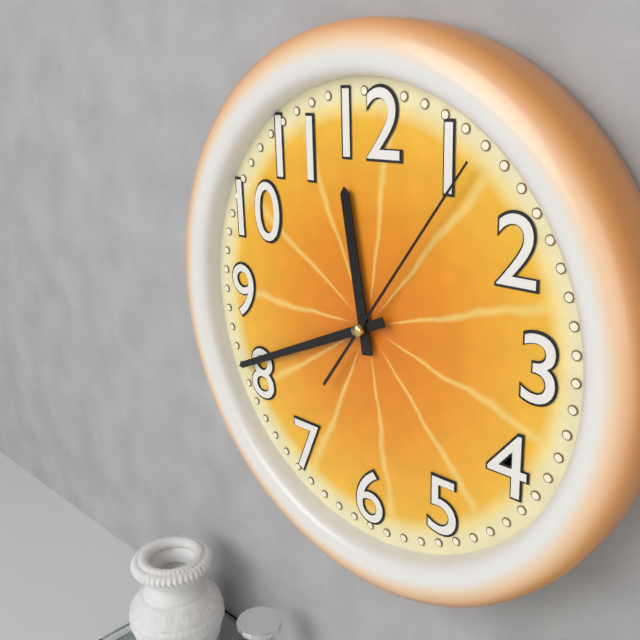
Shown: h=11 m=41 s=6
